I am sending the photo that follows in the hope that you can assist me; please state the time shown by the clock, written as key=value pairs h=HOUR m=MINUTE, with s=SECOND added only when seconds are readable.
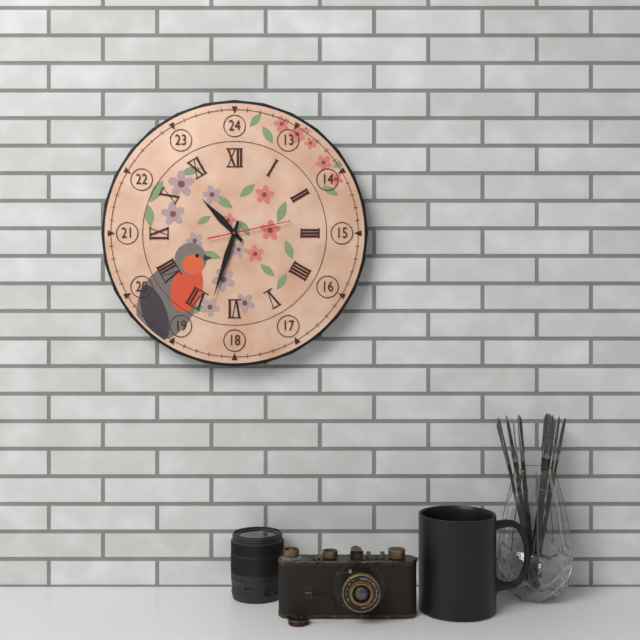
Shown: h=10 m=33 s=13
